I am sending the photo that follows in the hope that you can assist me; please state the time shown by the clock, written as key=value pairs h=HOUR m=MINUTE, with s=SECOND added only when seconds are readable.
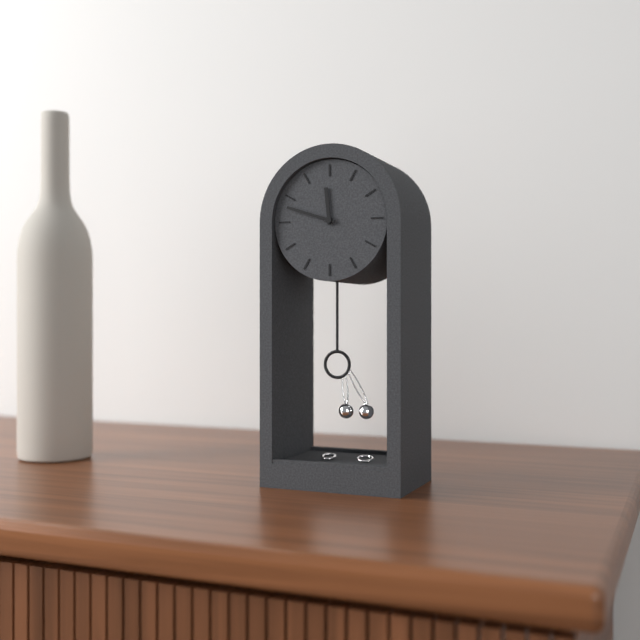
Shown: h=11 m=48
